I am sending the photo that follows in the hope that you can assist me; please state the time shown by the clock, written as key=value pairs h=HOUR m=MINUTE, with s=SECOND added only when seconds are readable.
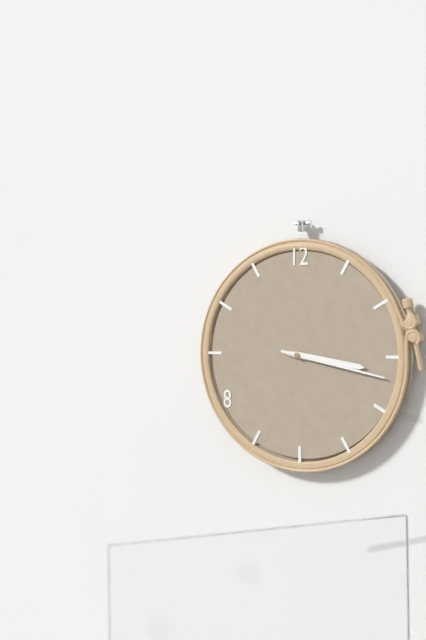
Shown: h=3 m=17
